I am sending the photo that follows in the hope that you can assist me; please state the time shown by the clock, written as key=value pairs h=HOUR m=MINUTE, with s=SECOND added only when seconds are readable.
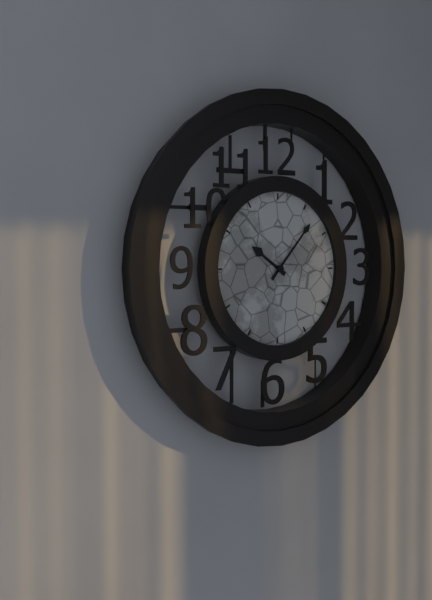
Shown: h=10 m=7
